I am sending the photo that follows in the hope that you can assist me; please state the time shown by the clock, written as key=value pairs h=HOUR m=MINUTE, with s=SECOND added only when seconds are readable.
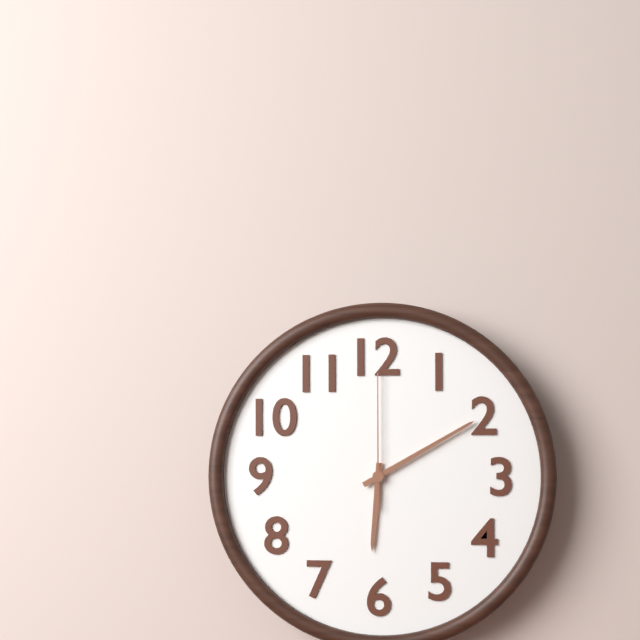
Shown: h=6 m=10 s=0
